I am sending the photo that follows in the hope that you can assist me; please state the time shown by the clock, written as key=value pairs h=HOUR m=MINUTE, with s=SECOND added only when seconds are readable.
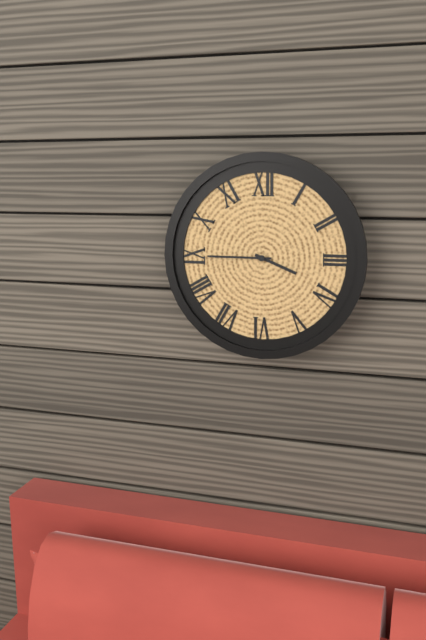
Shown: h=3 m=45
